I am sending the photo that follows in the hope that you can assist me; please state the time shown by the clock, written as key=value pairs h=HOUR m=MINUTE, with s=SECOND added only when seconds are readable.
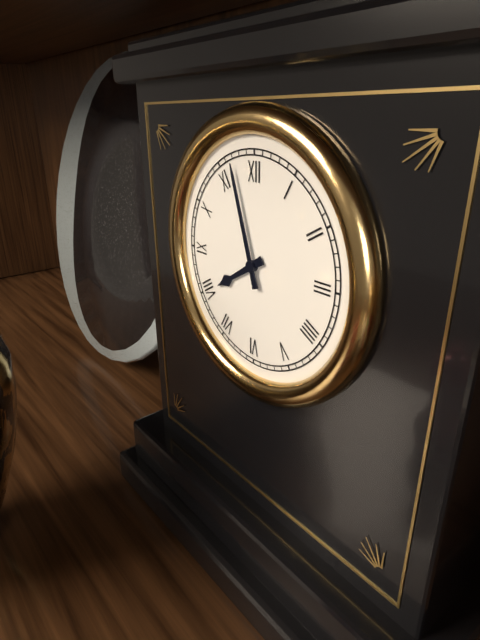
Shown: h=7 m=57
